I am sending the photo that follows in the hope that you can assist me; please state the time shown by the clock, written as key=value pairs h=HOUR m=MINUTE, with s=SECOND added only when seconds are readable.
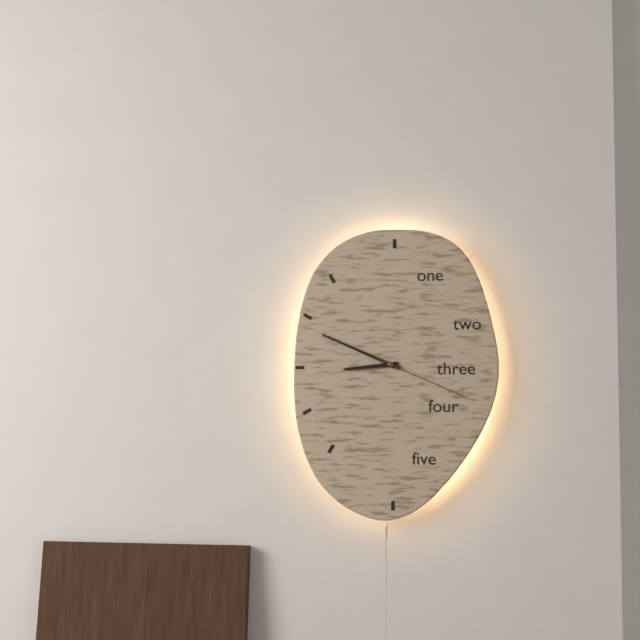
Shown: h=8 m=49 s=19
